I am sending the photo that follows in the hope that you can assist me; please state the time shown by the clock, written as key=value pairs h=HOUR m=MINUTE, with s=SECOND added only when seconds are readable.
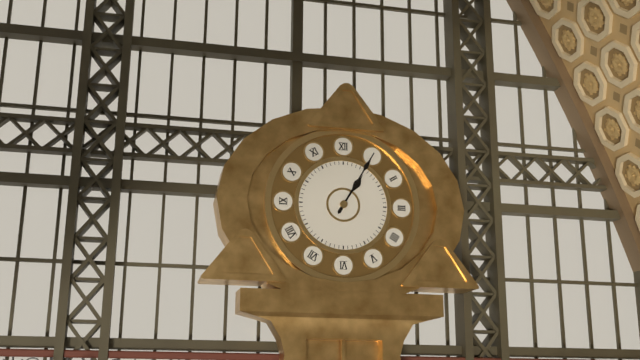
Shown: h=1 m=5
